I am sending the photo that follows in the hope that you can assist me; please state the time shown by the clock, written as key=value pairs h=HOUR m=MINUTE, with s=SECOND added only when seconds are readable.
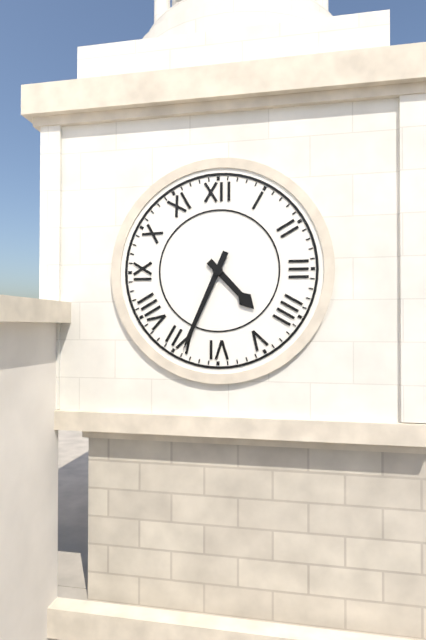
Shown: h=4 m=34
